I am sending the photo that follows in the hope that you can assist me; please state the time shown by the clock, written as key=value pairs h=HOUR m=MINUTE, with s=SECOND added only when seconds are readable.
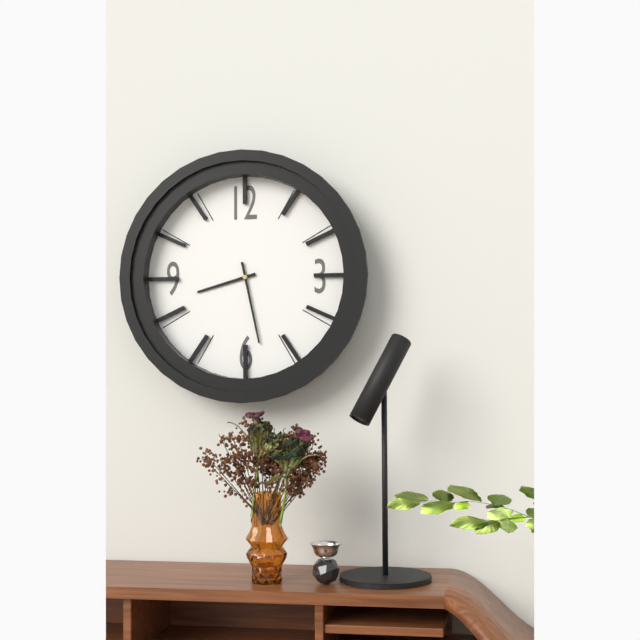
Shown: h=8 m=28
